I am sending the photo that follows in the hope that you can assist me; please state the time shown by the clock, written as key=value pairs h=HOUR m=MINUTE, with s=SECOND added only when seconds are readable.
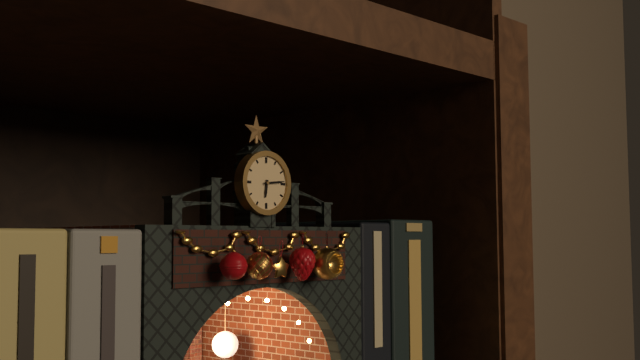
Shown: h=6 m=14
